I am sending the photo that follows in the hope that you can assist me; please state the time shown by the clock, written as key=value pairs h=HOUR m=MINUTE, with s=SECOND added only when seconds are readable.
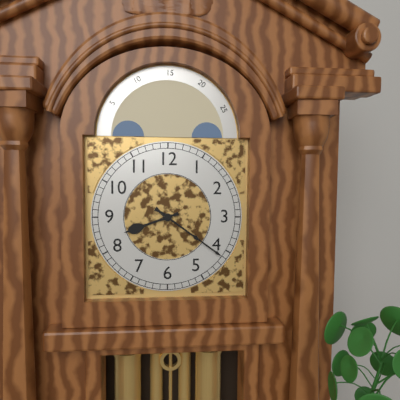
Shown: h=8 m=21
